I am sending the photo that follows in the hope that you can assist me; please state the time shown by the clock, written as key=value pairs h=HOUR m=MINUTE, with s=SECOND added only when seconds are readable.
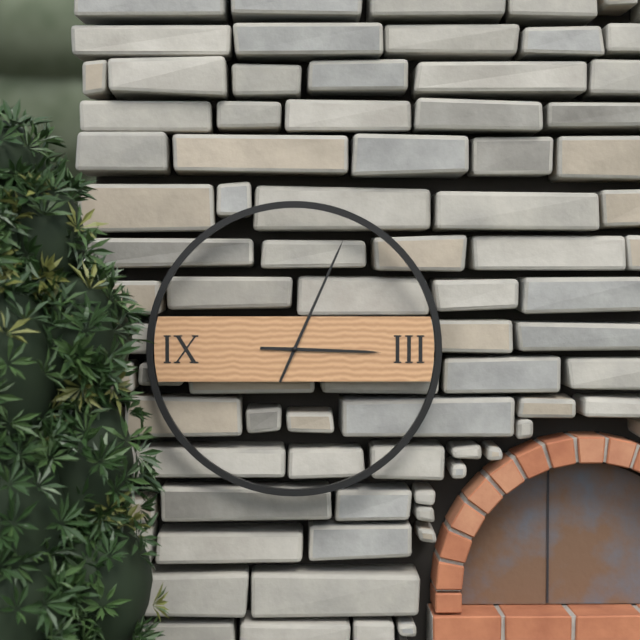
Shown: h=3 m=4
